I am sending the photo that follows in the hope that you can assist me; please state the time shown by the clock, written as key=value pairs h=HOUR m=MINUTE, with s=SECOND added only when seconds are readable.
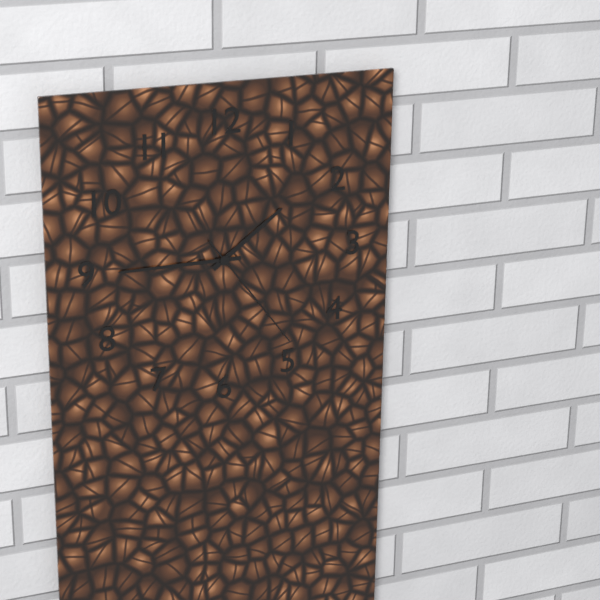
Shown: h=1 m=45 s=24
